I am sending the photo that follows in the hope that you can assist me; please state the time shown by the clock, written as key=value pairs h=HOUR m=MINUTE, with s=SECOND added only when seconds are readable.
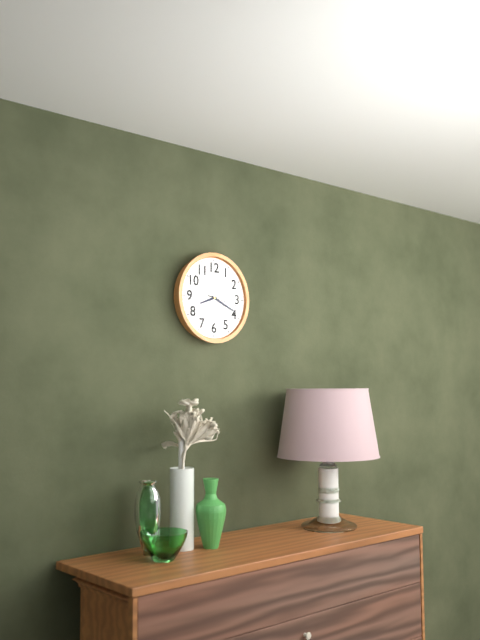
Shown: h=8 m=19
